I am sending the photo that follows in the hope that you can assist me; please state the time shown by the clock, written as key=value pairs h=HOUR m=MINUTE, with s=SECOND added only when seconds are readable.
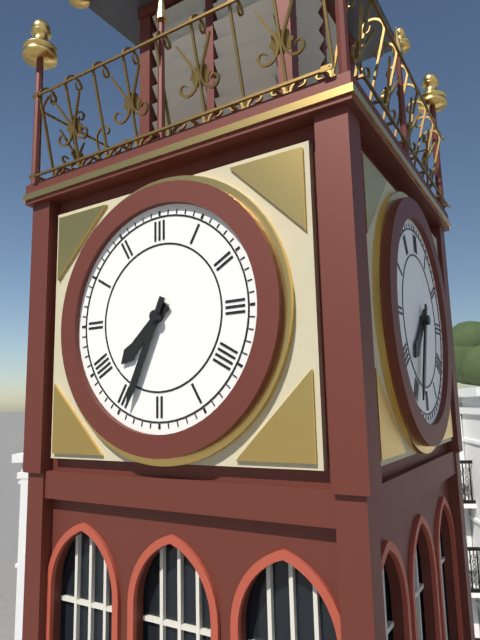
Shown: h=7 m=34
